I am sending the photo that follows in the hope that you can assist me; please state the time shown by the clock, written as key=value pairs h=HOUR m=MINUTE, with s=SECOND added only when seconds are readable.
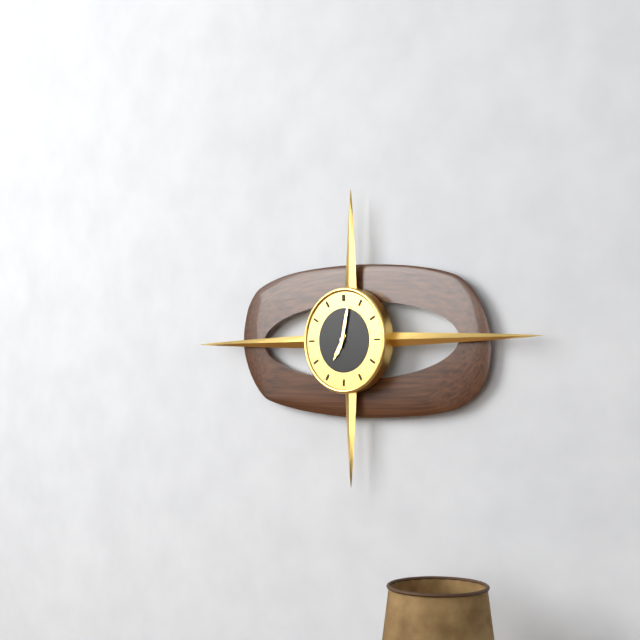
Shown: h=7 m=2
